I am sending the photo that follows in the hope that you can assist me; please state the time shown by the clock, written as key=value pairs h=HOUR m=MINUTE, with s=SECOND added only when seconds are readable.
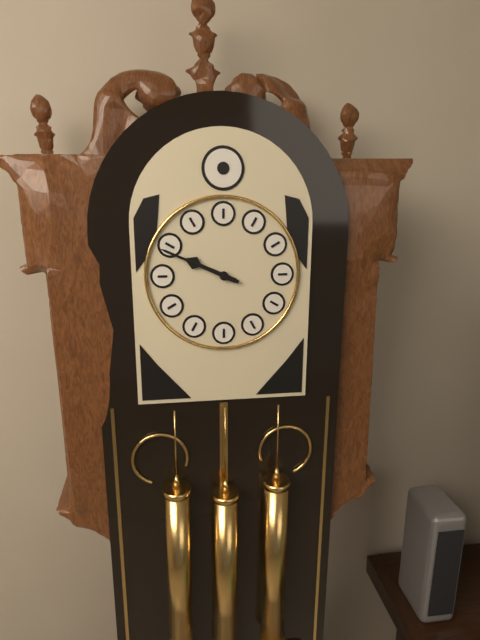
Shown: h=9 m=49
